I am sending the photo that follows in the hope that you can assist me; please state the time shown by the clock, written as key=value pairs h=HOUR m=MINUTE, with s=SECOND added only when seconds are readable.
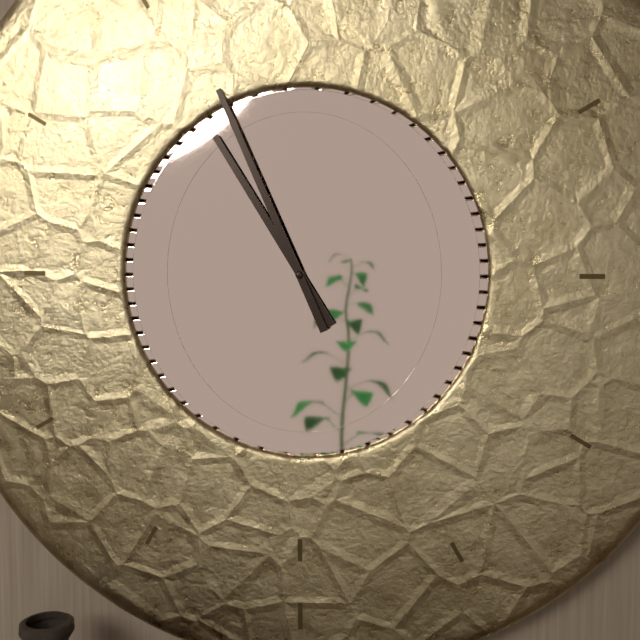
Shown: h=10 m=56
